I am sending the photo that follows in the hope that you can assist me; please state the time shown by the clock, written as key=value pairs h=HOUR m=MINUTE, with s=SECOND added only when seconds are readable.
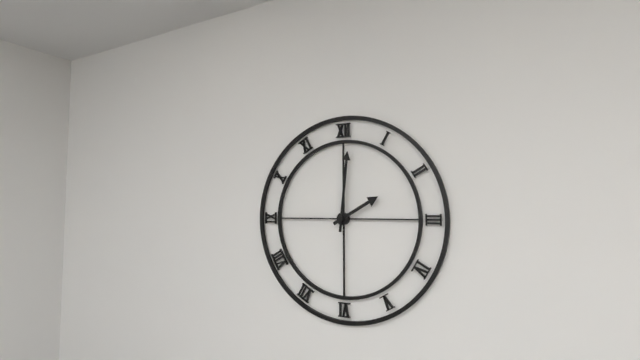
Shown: h=2 m=1
